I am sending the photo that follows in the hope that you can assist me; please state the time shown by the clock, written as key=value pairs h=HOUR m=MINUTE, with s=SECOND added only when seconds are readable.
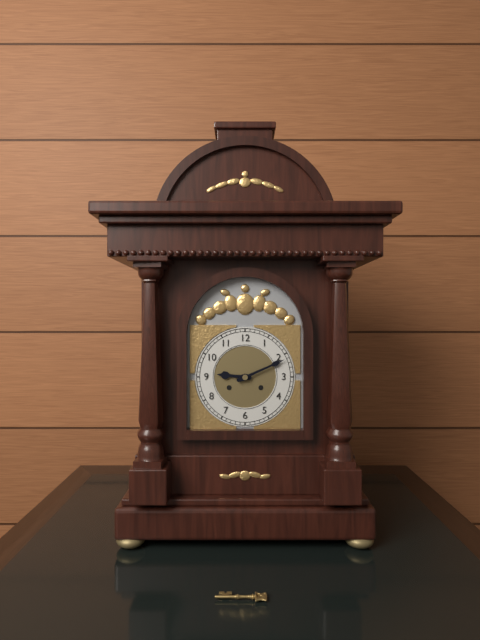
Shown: h=9 m=11
